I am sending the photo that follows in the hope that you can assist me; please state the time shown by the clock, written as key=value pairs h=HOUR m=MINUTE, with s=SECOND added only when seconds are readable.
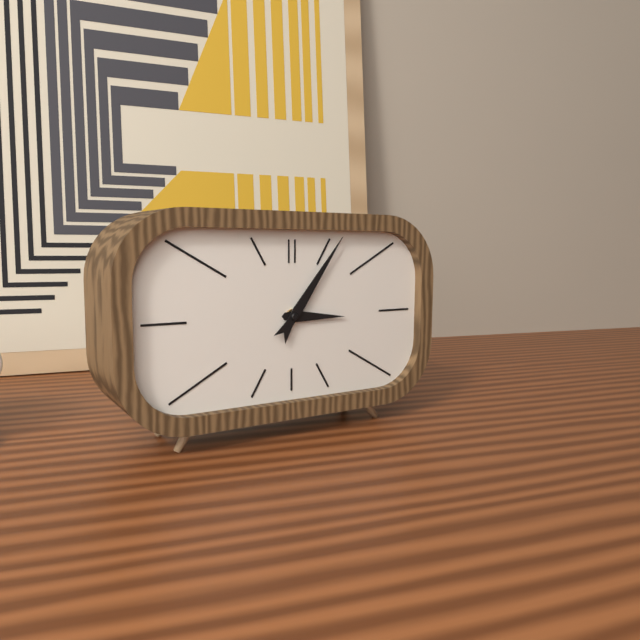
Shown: h=3 m=6
